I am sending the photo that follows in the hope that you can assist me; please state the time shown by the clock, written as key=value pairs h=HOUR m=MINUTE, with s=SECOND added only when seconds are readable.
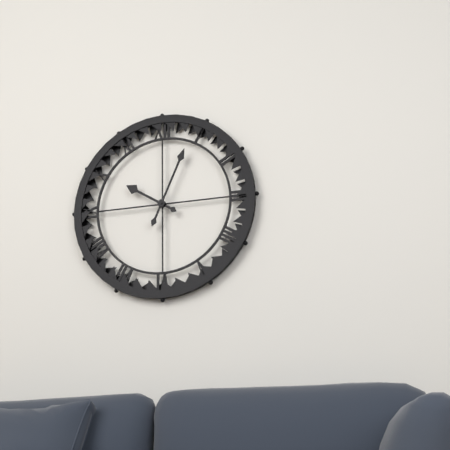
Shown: h=10 m=4
